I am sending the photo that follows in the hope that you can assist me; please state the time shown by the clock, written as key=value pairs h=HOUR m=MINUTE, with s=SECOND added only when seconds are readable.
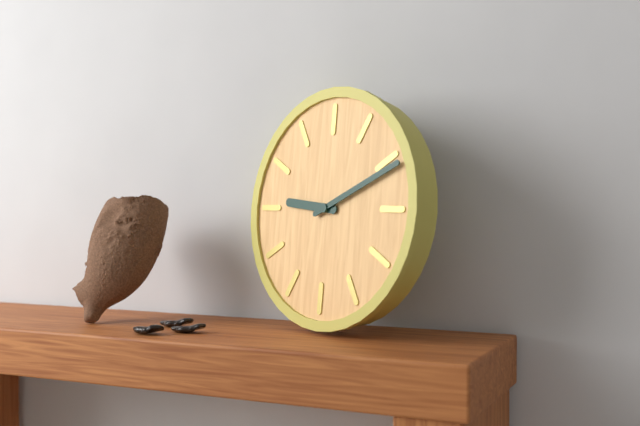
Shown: h=9 m=11
